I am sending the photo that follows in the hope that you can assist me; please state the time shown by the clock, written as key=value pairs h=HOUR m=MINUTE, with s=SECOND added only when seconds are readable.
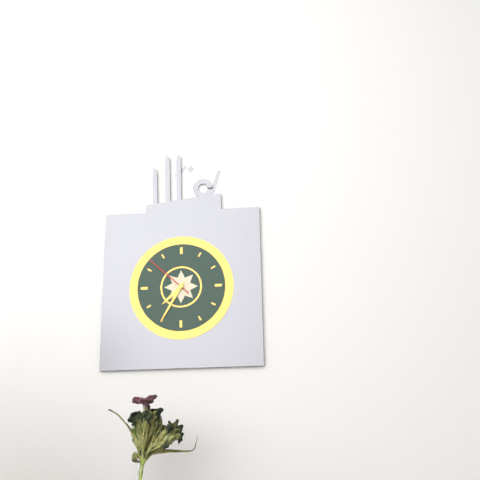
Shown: h=7 m=35 s=52
